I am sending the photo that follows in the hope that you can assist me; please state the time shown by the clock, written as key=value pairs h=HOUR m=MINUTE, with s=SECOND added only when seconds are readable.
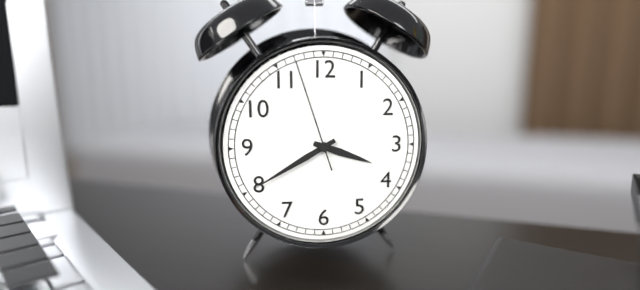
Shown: h=3 m=40 s=57
